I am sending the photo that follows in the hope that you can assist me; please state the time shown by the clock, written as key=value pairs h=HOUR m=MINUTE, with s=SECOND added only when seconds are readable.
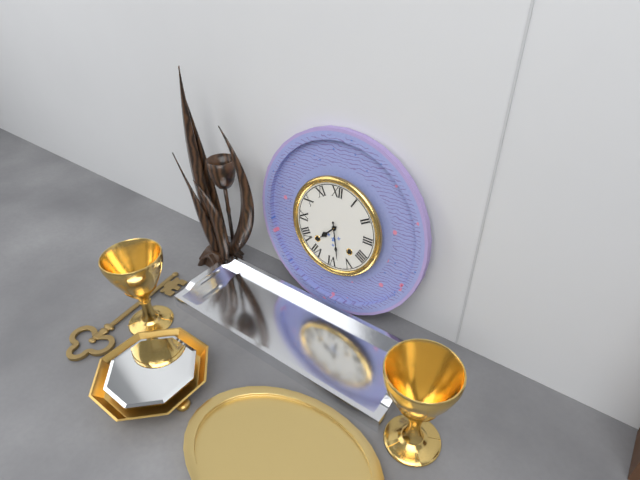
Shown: h=7 m=28
